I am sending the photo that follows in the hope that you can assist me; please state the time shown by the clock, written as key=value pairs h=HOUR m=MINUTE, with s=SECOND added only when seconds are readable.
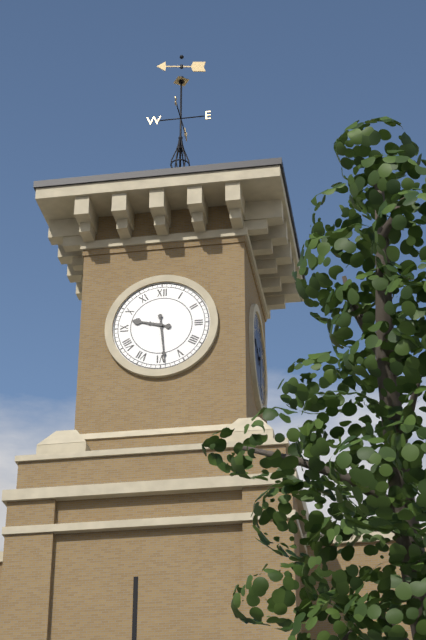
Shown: h=9 m=29
